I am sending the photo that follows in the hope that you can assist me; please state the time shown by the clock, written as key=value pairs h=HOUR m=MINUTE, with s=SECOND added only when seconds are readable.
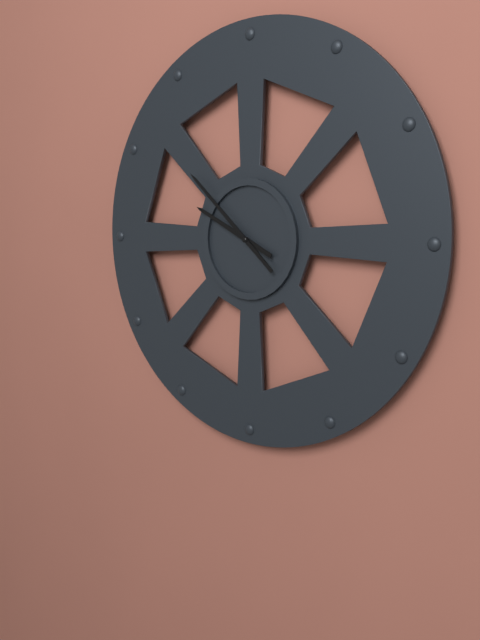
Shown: h=9 m=52
